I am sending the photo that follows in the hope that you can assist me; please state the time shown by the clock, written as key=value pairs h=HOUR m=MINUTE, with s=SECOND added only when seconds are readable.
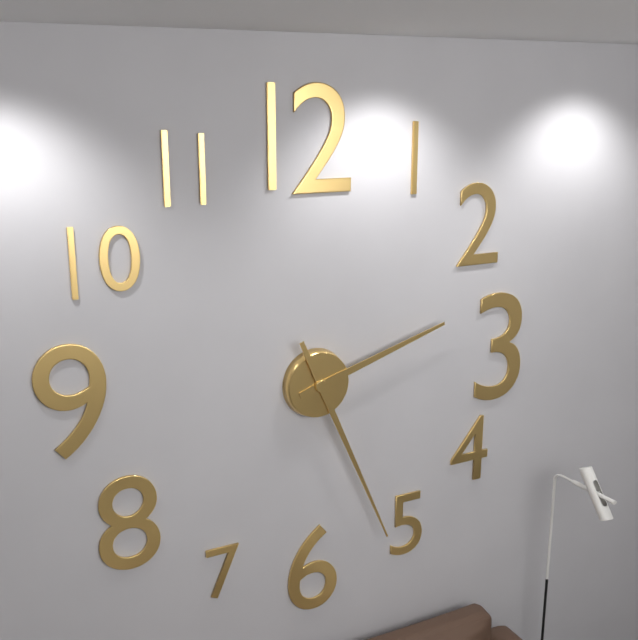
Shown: h=2 m=26
